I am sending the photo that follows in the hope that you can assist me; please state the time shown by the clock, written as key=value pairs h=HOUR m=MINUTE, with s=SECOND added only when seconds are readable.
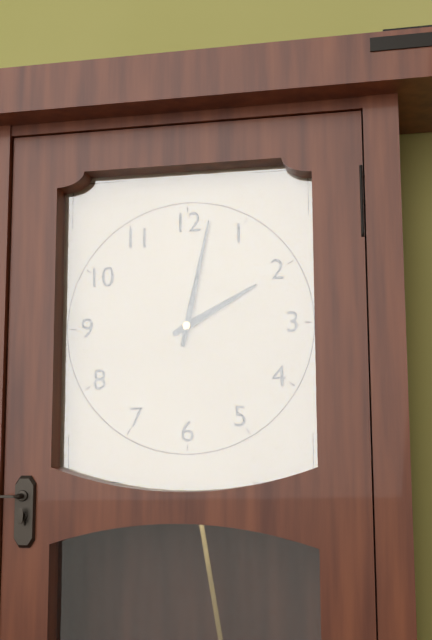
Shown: h=2 m=2
